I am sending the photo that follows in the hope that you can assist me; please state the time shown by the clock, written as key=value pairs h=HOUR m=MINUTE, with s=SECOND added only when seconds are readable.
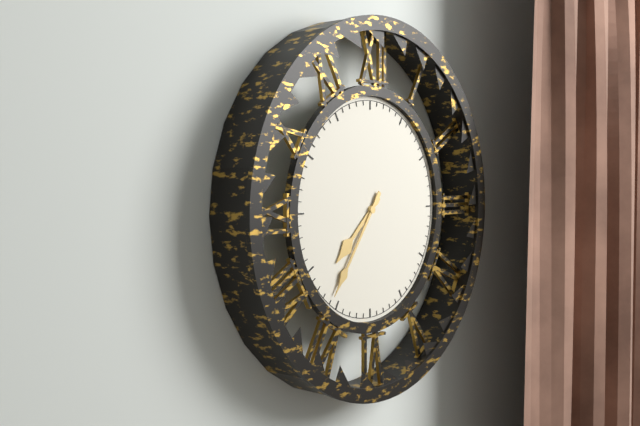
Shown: h=7 m=36
